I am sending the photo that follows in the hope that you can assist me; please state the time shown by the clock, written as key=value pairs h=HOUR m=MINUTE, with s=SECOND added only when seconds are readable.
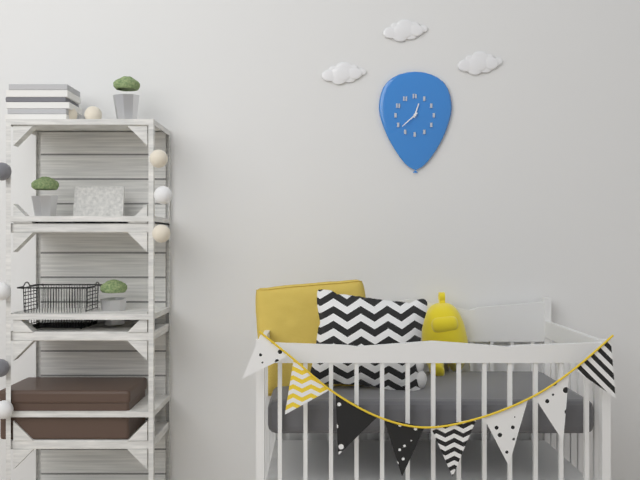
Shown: h=12 m=38
